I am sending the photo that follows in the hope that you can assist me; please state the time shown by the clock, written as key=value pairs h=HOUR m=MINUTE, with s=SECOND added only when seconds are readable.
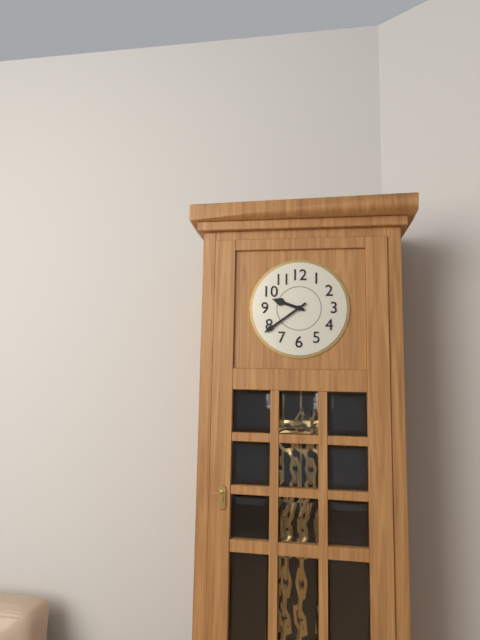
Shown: h=9 m=39
